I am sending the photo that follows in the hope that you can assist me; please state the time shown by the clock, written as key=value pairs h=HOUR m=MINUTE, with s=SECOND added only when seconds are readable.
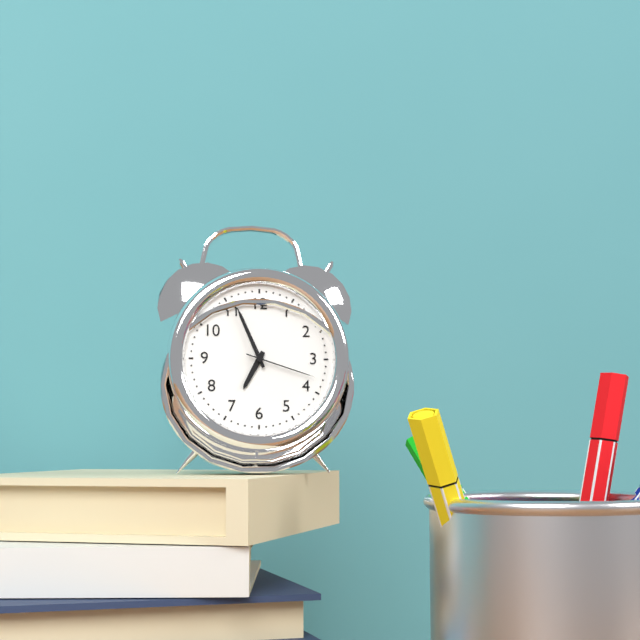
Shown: h=6 m=56 s=18
